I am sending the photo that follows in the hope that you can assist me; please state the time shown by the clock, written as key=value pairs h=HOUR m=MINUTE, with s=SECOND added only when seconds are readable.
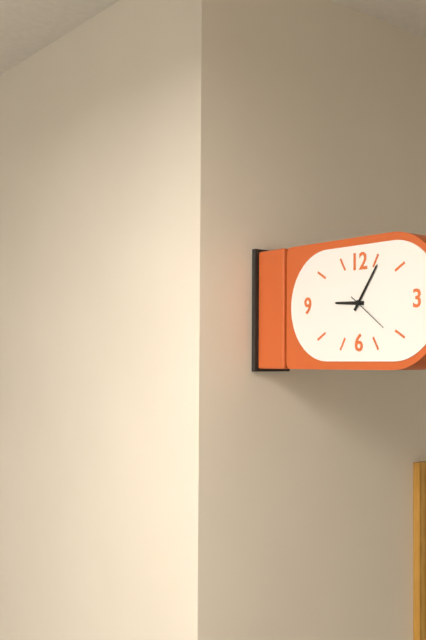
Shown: h=9 m=6
